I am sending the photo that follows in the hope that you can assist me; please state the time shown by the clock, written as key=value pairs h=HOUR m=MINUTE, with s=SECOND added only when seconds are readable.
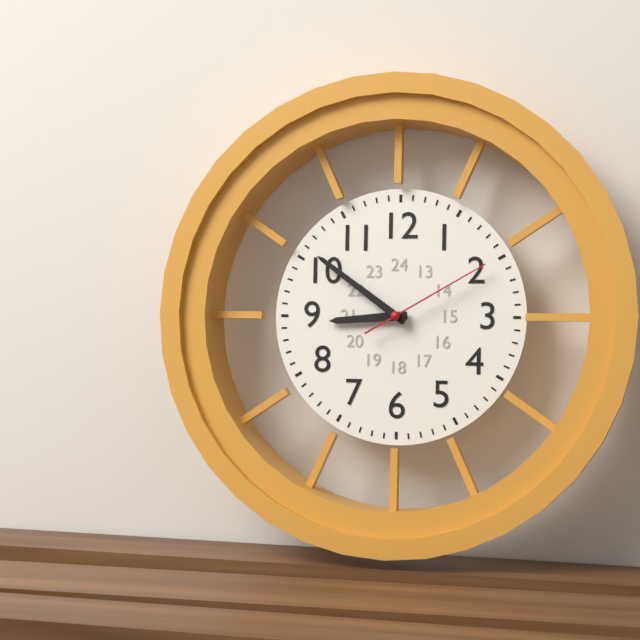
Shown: h=8 m=51 s=10
